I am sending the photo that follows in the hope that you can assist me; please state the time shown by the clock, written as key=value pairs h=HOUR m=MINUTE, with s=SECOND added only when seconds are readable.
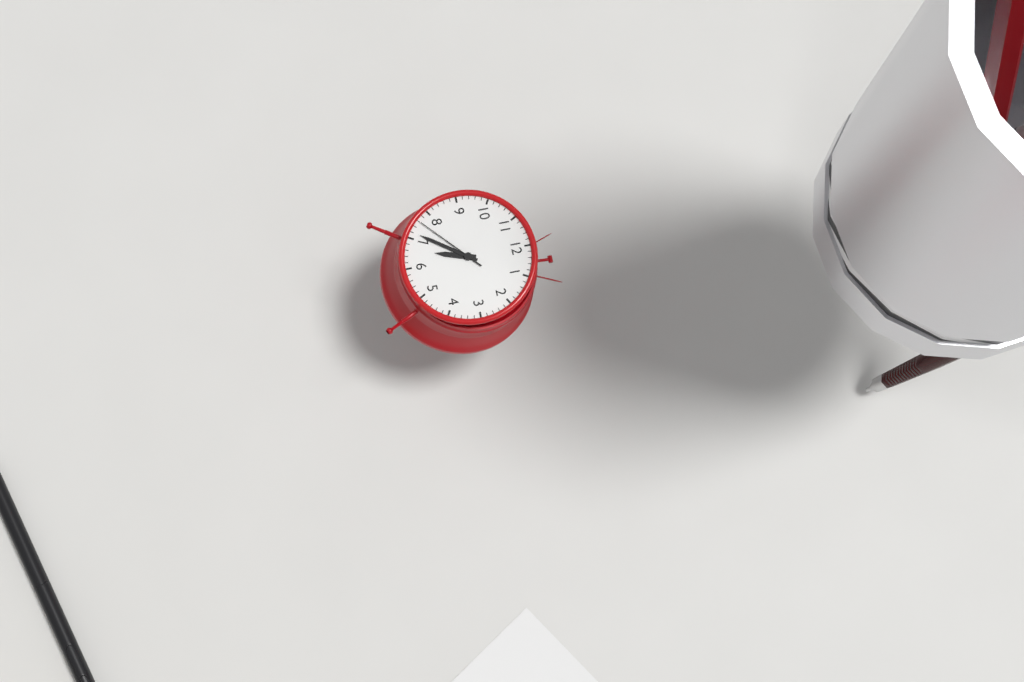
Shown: h=6 m=36 s=38
